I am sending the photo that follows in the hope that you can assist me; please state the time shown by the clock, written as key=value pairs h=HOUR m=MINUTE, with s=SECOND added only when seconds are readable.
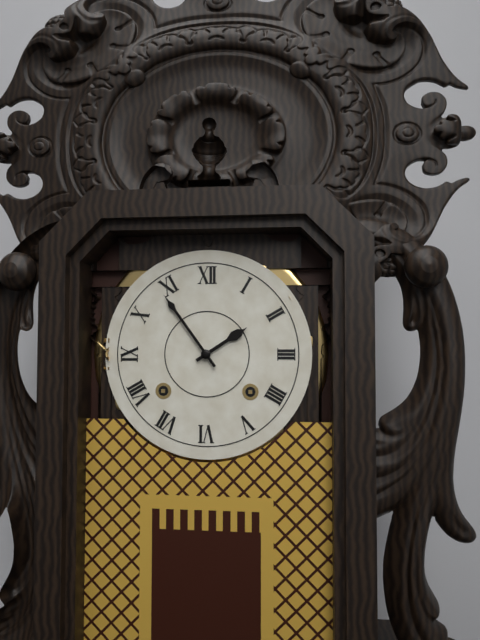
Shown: h=1 m=54
